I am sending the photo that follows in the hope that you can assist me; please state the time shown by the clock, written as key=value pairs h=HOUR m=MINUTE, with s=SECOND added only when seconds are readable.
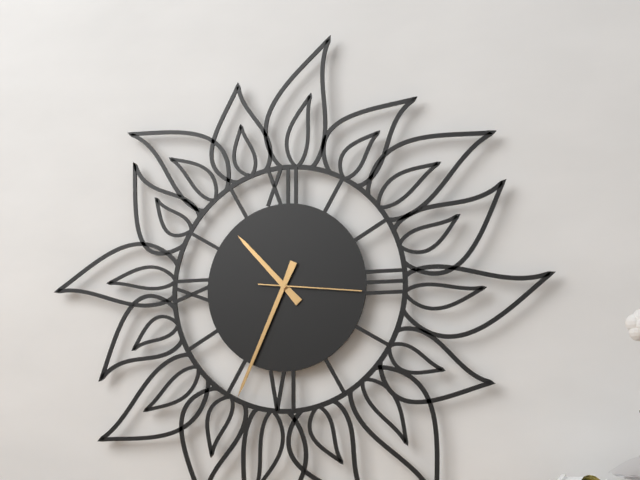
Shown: h=10 m=34 s=16
